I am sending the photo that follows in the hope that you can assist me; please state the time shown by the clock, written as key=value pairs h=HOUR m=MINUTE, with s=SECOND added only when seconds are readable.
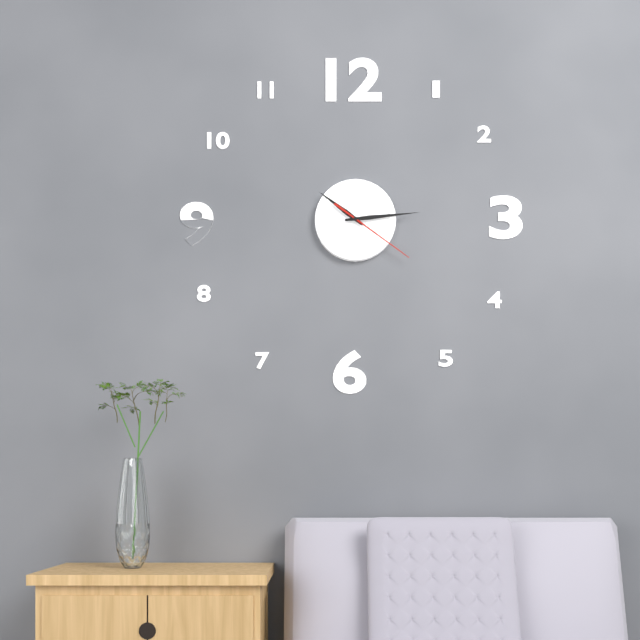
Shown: h=10 m=14 s=21
